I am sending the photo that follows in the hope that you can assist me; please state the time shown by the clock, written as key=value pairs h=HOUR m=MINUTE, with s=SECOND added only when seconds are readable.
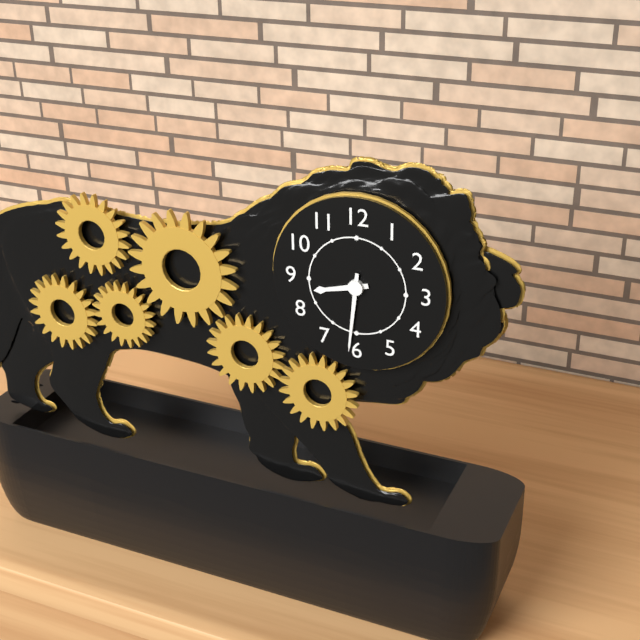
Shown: h=8 m=31
